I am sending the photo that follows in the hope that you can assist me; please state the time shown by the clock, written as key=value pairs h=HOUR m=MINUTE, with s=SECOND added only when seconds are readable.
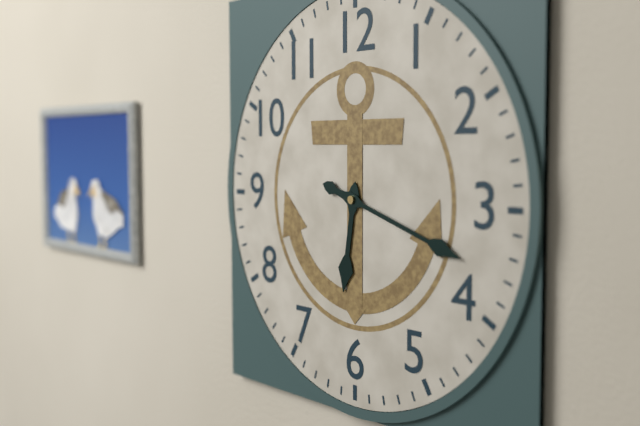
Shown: h=6 m=18
